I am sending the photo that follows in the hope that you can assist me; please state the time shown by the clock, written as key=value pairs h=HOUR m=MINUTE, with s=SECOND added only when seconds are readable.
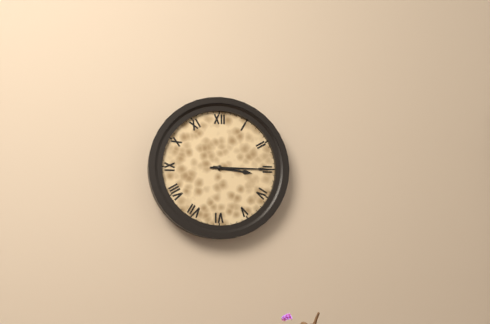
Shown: h=3 m=15
